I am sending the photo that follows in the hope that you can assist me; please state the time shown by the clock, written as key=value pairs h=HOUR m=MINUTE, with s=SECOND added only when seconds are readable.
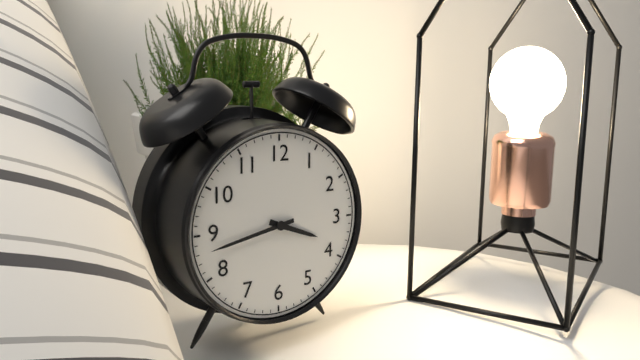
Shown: h=3 m=43
